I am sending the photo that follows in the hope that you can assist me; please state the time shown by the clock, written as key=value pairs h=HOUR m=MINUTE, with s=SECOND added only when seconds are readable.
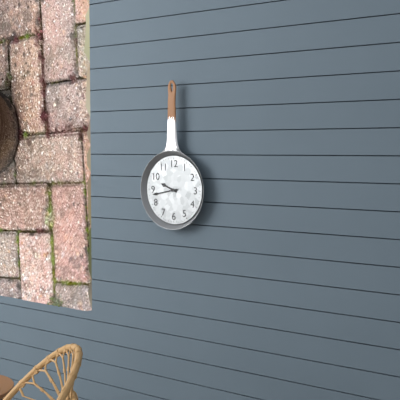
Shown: h=9 m=43
